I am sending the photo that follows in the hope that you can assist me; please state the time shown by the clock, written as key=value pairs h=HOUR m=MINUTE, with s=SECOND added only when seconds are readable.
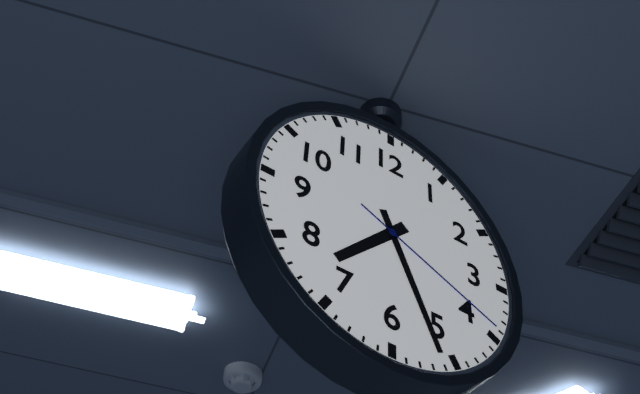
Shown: h=7 m=26 s=19
